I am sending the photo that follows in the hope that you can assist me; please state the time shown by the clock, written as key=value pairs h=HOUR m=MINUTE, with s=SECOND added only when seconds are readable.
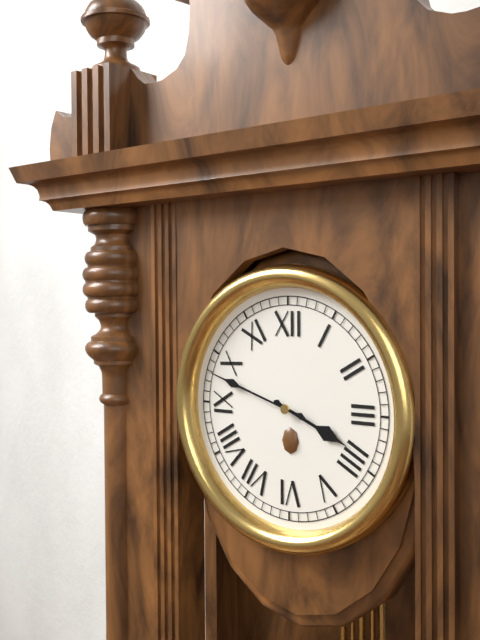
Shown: h=3 m=48
